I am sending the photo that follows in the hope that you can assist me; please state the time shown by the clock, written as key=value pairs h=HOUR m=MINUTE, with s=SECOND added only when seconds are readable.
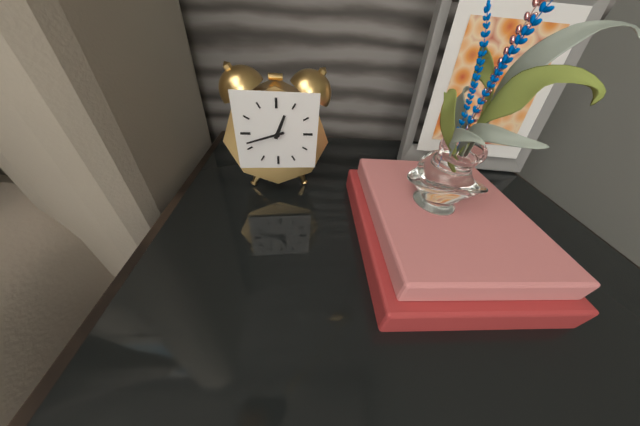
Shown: h=12 m=42
